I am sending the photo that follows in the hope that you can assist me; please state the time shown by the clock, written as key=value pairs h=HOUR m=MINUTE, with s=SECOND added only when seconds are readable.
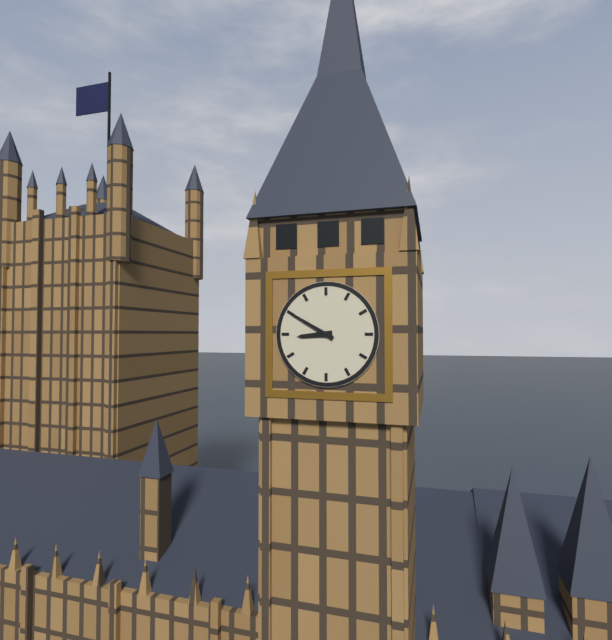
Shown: h=8 m=50
